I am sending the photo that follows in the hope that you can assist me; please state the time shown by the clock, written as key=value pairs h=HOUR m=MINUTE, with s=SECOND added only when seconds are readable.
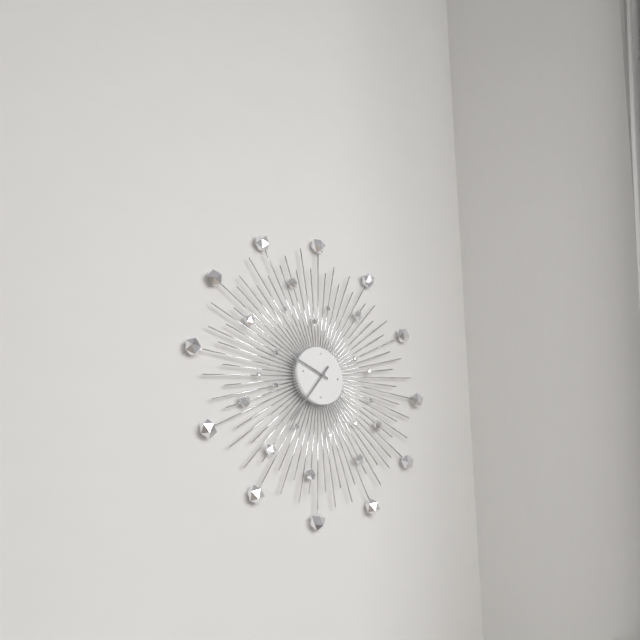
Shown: h=9 m=36
